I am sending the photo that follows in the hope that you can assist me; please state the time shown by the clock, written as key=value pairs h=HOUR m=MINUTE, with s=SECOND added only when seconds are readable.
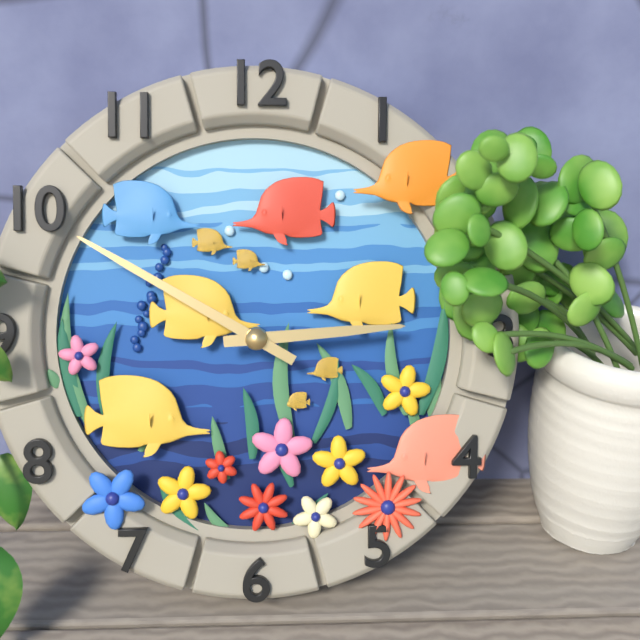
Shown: h=2 m=50
